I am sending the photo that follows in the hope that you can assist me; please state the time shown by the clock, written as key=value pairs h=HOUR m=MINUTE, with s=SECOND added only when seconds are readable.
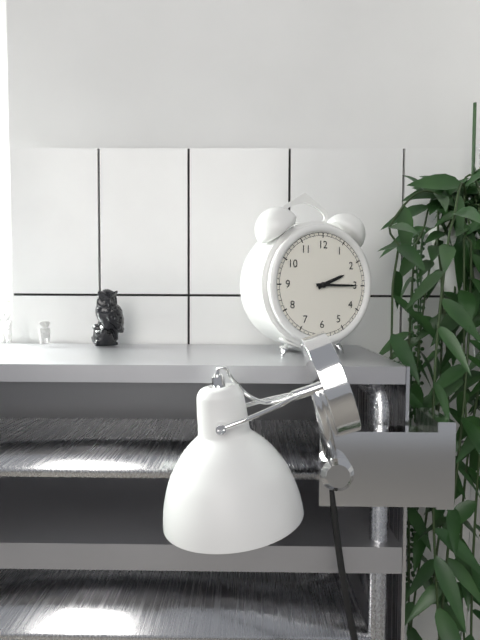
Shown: h=2 m=15
